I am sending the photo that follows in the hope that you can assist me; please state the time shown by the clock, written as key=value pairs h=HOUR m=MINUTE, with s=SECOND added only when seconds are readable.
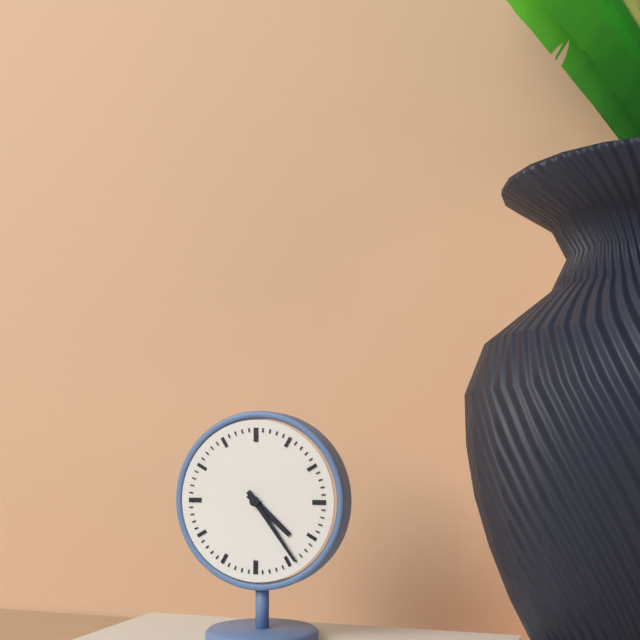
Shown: h=4 m=24
